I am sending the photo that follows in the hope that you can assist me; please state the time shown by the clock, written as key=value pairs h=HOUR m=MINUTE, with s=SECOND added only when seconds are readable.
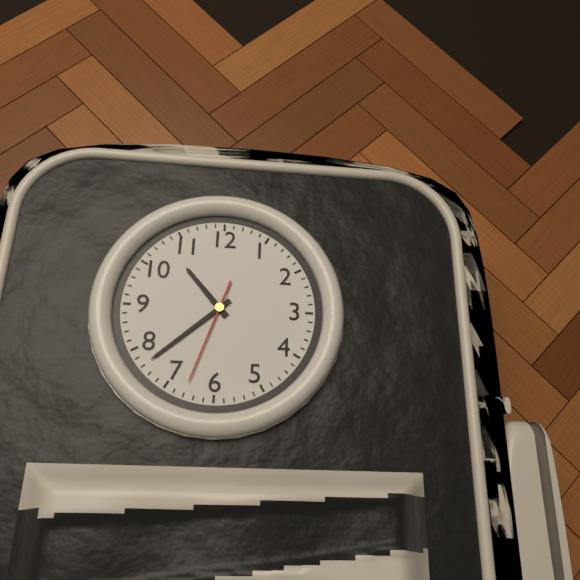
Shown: h=10 m=38 s=33
